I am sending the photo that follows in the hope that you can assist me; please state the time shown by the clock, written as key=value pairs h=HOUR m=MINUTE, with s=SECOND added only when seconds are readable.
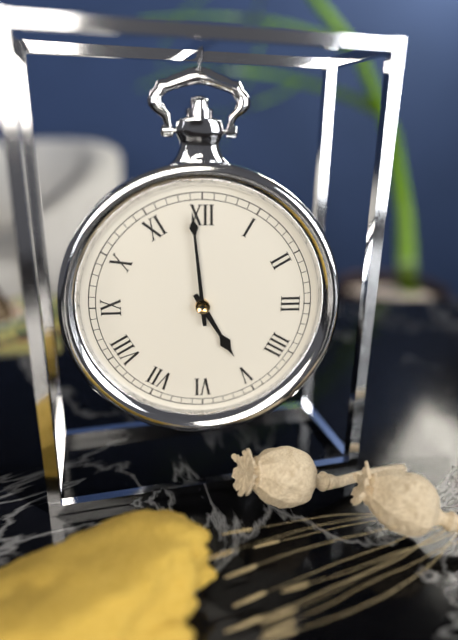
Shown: h=4 m=59
